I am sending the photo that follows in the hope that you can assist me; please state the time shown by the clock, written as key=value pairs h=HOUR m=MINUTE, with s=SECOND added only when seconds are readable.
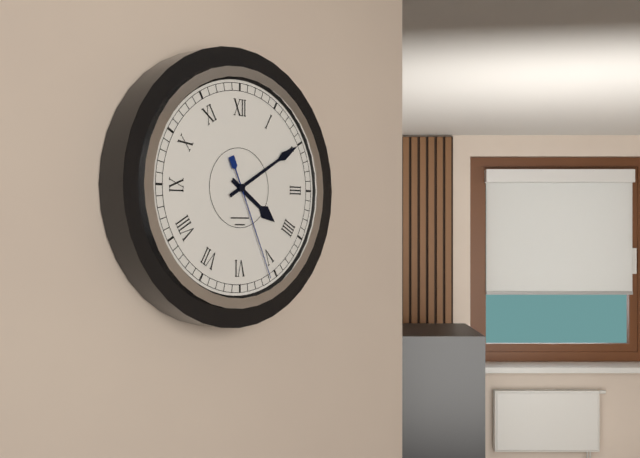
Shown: h=4 m=10 s=26
